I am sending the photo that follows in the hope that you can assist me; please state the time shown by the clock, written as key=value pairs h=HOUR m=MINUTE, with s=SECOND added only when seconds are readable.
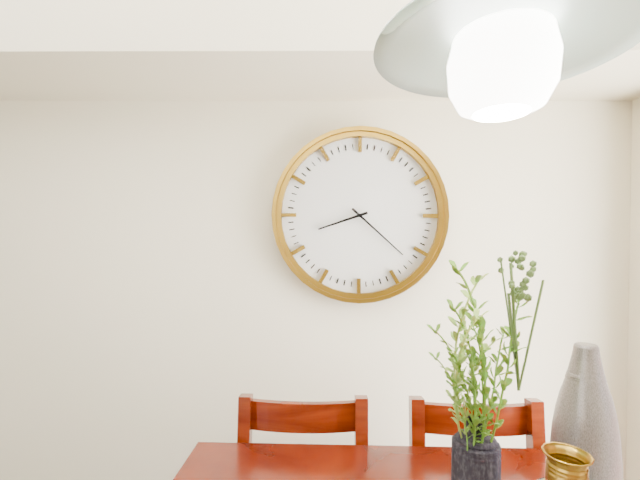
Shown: h=8 m=22
